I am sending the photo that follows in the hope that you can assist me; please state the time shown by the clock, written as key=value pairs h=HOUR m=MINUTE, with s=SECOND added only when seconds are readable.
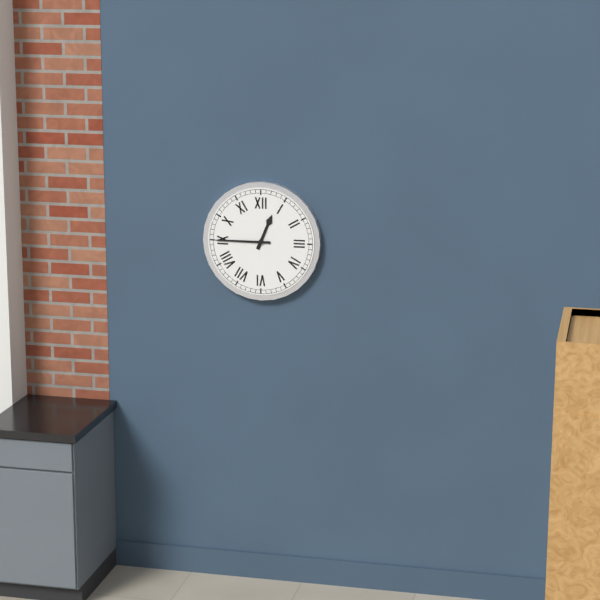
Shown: h=12 m=45
